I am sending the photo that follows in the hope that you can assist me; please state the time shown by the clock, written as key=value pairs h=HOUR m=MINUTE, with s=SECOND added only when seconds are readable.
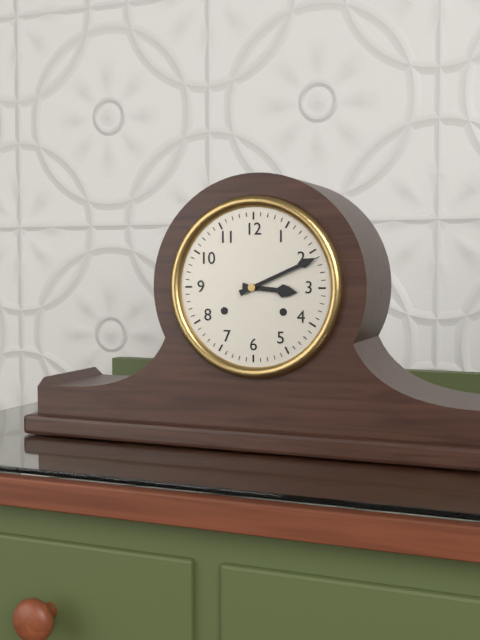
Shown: h=3 m=11
